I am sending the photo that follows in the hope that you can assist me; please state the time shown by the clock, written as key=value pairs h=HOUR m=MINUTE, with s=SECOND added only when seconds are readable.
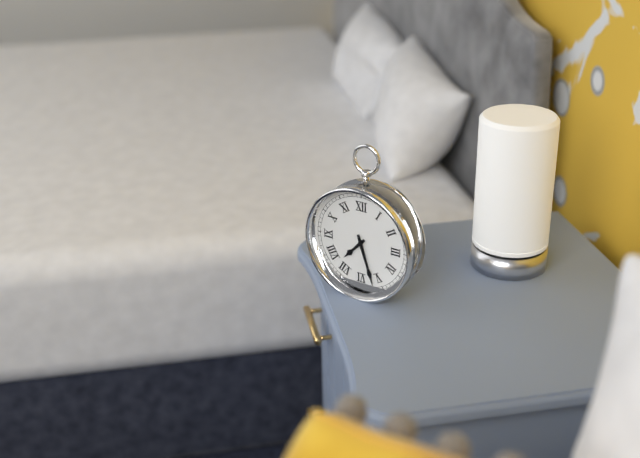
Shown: h=7 m=27
